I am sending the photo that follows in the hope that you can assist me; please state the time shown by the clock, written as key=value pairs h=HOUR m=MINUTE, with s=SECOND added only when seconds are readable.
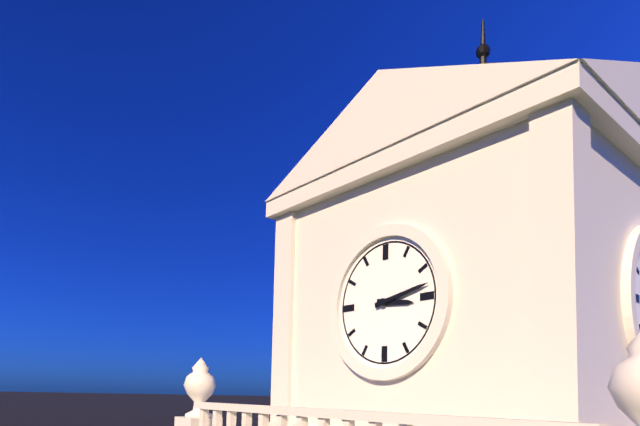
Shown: h=3 m=13
